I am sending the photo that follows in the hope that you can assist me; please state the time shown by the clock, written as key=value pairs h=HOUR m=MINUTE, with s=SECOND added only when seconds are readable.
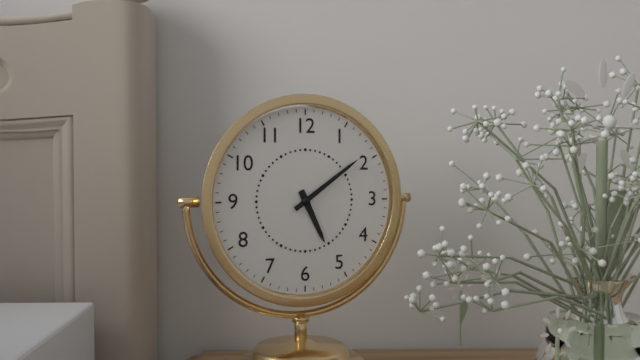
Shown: h=5 m=9
